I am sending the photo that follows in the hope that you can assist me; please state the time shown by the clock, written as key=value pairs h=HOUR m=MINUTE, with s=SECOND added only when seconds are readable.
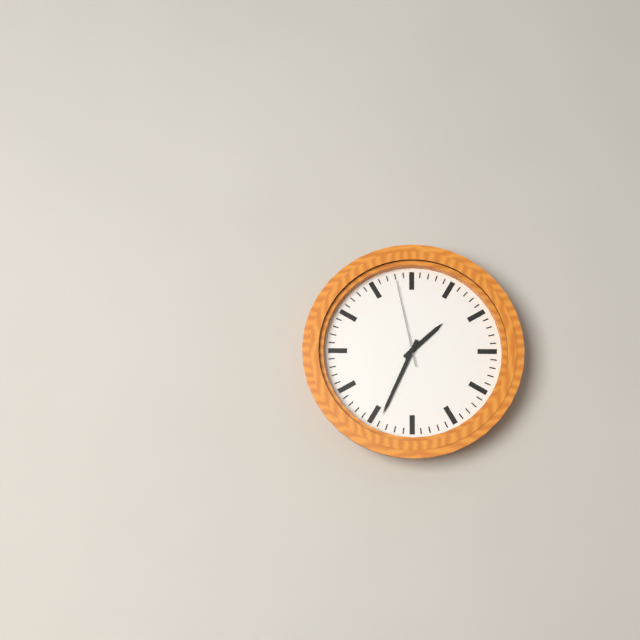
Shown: h=1 m=34 s=58
